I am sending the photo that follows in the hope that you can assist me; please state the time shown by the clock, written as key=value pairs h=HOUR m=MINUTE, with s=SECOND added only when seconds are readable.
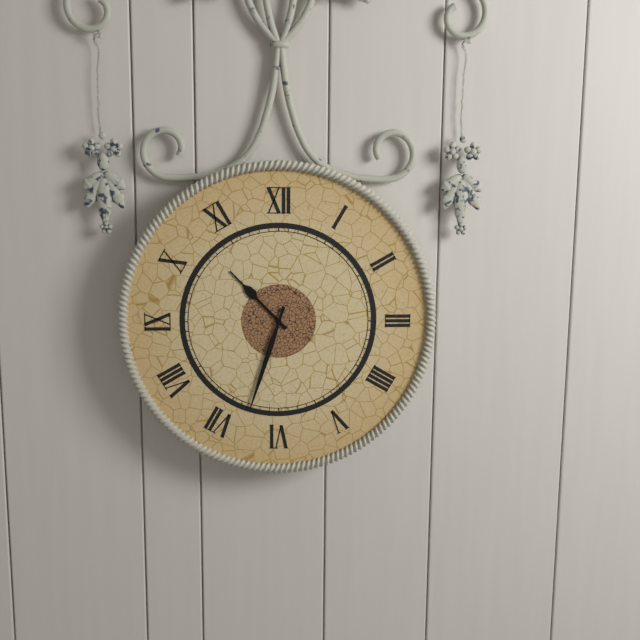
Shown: h=10 m=33
